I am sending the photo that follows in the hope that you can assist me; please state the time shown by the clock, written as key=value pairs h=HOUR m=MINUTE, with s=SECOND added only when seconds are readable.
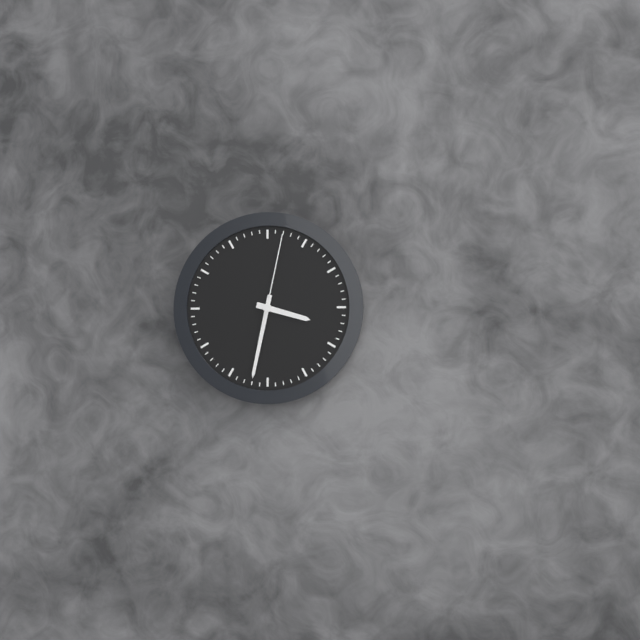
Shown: h=3 m=32 s=2
